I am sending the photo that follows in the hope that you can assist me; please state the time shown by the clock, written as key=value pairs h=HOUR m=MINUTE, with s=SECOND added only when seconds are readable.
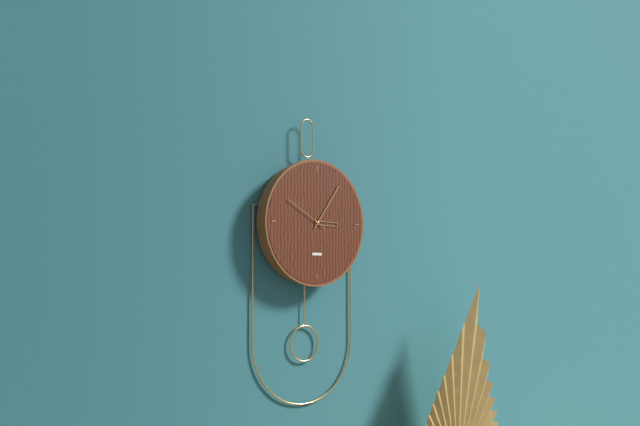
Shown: h=3 m=6
